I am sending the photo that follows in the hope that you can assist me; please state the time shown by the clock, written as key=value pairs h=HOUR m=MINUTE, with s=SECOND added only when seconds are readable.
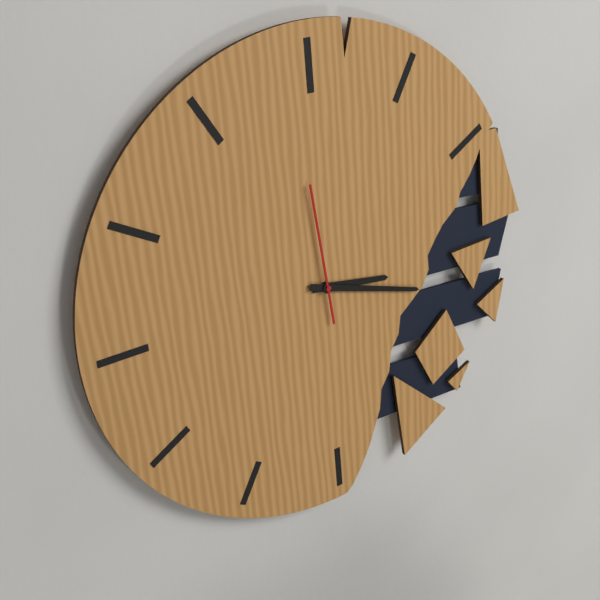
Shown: h=3 m=18 s=59
